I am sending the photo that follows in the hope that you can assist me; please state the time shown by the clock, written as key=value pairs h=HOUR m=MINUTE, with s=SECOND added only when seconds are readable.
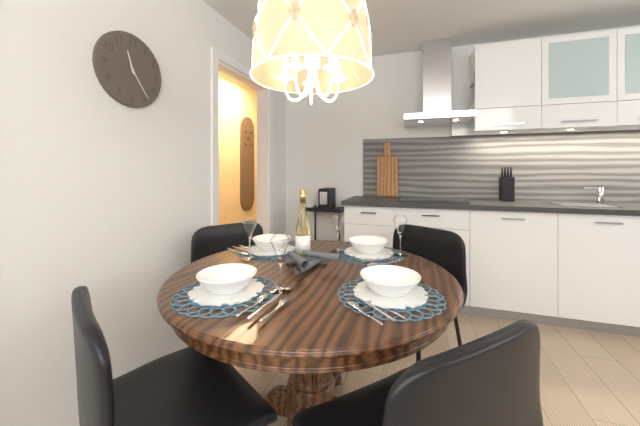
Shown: h=11 m=24
